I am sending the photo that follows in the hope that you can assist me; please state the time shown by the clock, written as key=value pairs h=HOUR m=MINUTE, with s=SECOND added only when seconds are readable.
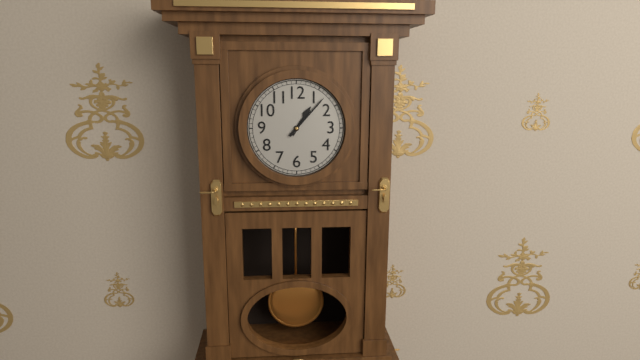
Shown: h=1 m=7
